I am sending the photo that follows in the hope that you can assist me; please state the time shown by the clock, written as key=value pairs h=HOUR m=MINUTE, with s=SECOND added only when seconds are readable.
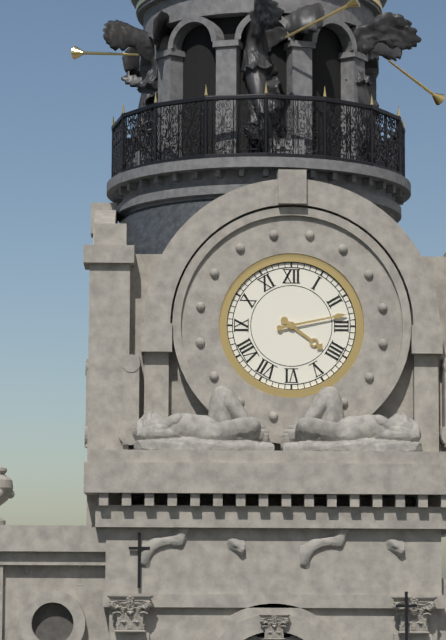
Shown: h=4 m=13
